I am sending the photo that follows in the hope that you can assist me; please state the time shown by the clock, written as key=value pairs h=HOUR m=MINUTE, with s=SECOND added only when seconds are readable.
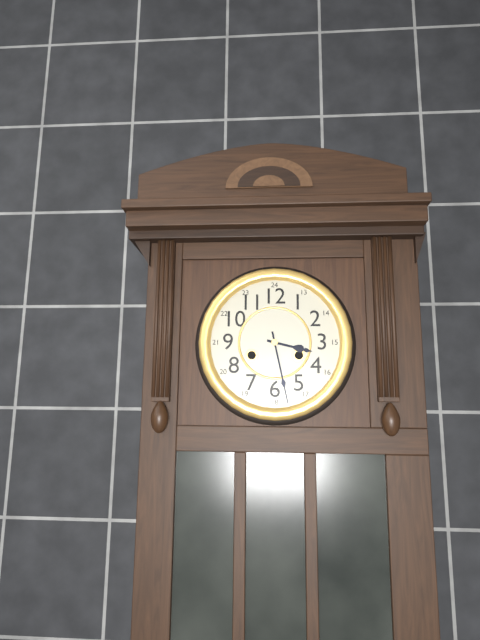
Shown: h=3 m=28
